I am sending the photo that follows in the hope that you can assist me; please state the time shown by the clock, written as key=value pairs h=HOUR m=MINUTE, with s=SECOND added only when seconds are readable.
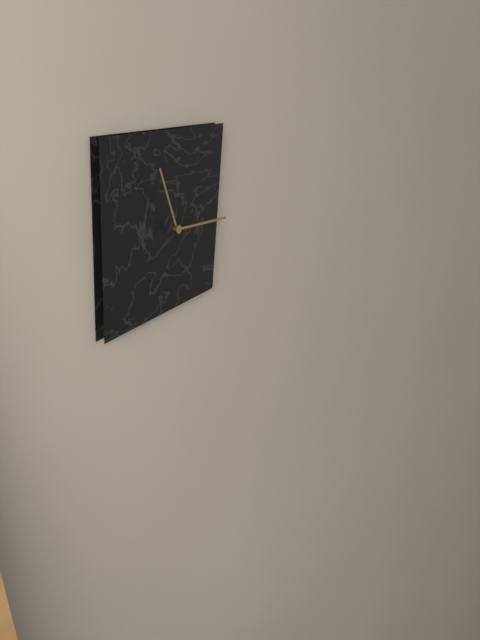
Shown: h=11 m=15
